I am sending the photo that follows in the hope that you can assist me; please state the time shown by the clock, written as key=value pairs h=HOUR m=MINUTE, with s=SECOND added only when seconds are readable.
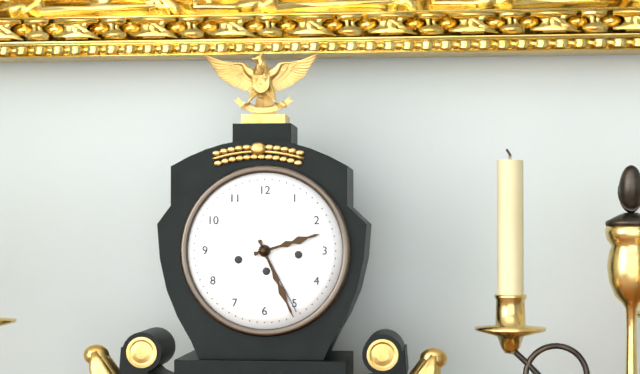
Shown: h=2 m=26
